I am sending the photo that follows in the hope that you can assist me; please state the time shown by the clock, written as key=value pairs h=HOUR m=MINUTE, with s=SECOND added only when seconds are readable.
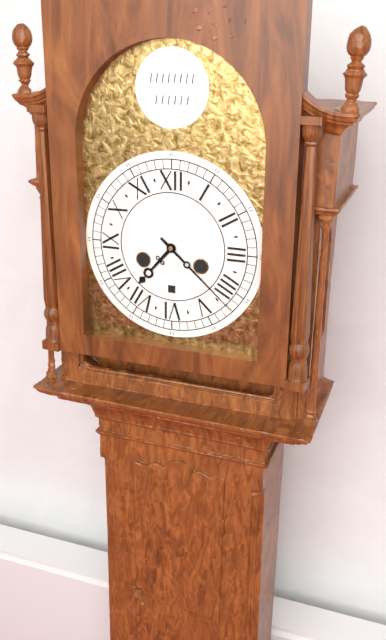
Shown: h=7 m=22
